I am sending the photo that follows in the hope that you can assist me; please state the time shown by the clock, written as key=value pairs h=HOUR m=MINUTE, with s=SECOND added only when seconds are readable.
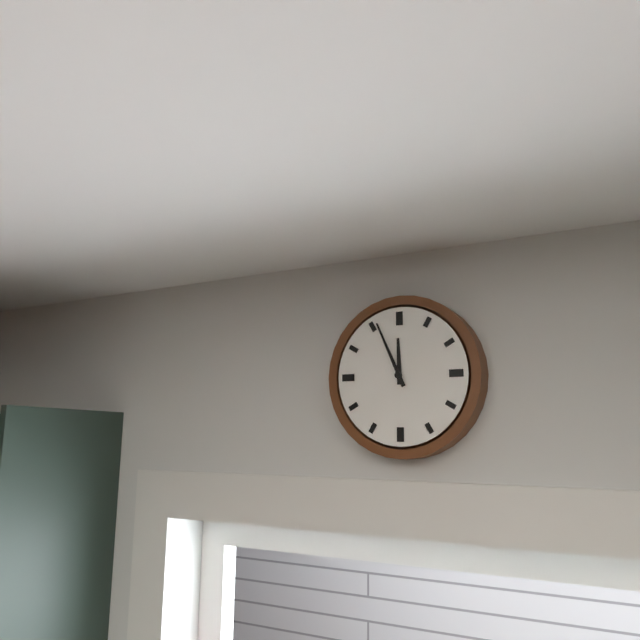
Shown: h=11 m=56
